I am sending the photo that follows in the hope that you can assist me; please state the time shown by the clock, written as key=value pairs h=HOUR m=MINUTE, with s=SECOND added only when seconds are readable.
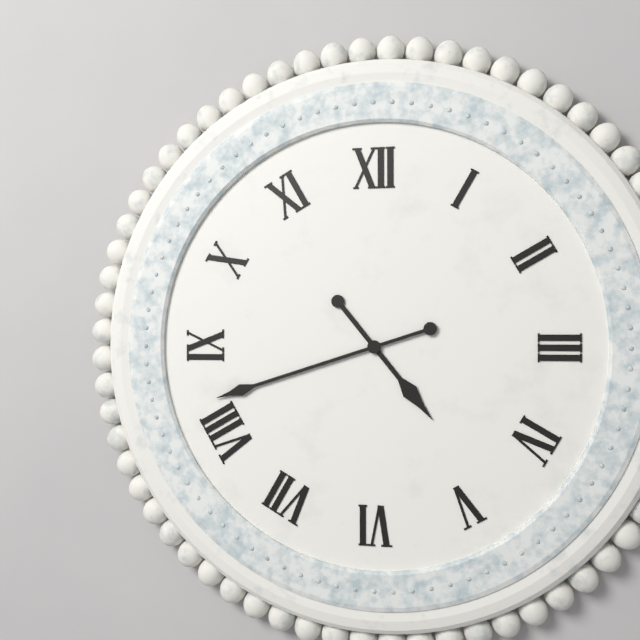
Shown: h=4 m=42
